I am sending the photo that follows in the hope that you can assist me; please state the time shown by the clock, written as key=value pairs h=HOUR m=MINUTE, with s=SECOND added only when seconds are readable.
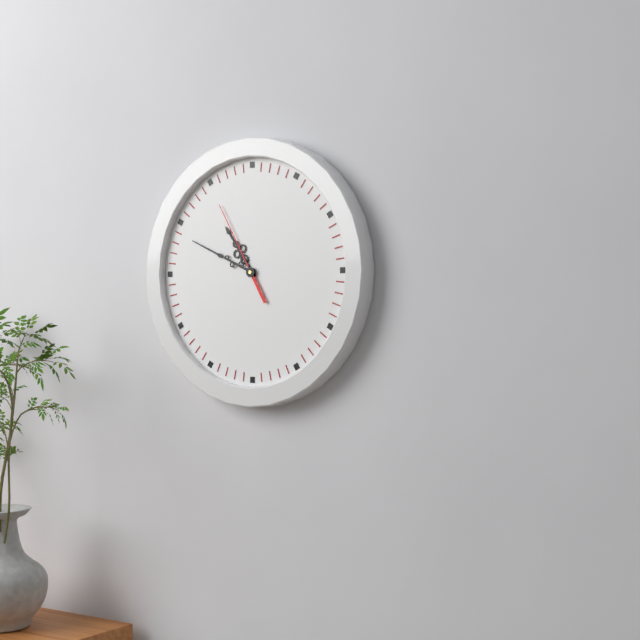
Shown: h=10 m=49 s=55
